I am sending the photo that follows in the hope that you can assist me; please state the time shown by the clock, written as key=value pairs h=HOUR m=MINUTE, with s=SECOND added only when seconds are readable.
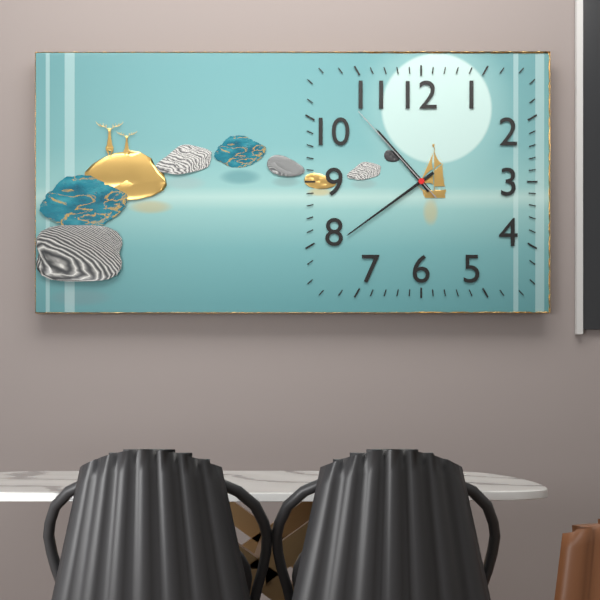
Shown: h=10 m=39 s=53
